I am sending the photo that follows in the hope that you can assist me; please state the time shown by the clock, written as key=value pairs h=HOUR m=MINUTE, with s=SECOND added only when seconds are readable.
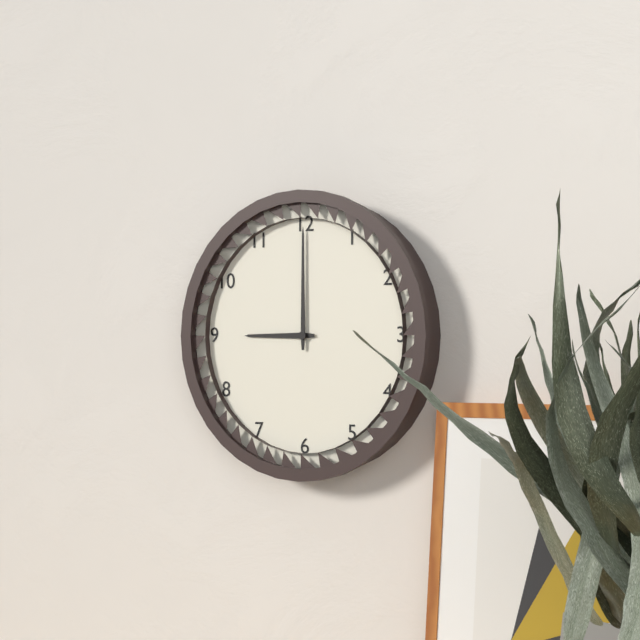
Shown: h=9 m=0
